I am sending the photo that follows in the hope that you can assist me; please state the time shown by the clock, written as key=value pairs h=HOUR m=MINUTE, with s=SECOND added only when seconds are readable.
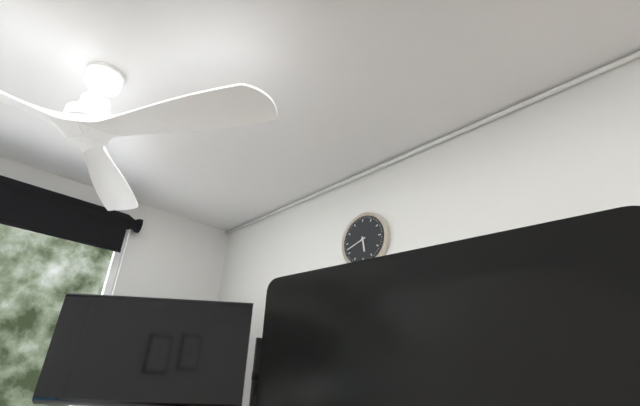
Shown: h=5 m=42
